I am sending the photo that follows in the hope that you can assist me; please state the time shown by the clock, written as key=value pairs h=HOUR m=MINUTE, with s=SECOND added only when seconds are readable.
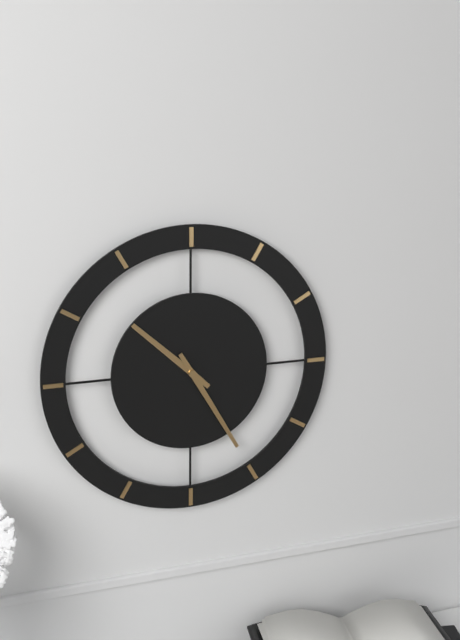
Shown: h=10 m=25
